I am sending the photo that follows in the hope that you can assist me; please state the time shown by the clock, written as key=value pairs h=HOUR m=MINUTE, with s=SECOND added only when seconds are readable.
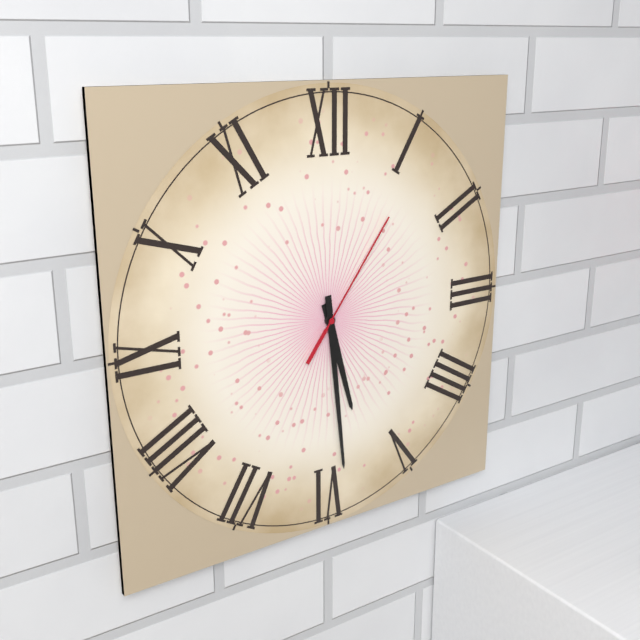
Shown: h=5 m=29 s=6
